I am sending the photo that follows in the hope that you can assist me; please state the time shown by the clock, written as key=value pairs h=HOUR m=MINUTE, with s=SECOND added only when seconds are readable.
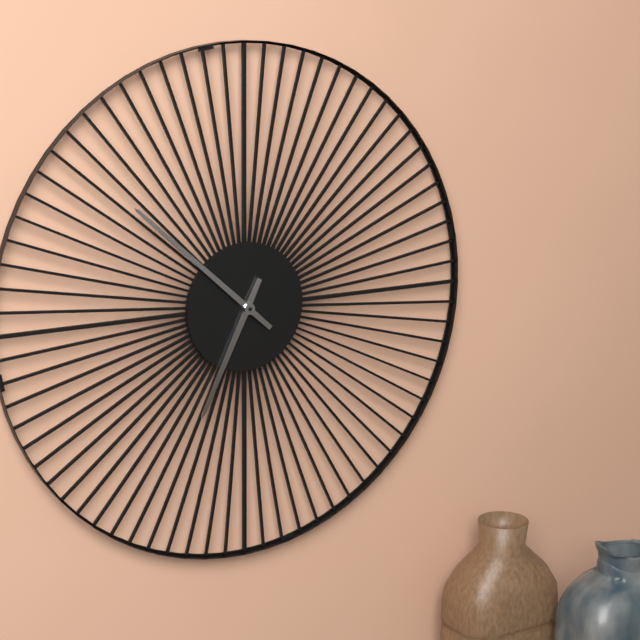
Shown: h=6 m=52
